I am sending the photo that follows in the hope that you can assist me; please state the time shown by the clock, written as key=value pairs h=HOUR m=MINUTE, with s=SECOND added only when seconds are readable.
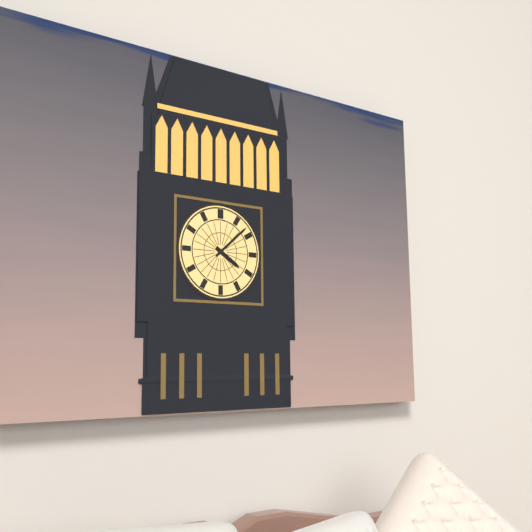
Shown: h=4 m=8
